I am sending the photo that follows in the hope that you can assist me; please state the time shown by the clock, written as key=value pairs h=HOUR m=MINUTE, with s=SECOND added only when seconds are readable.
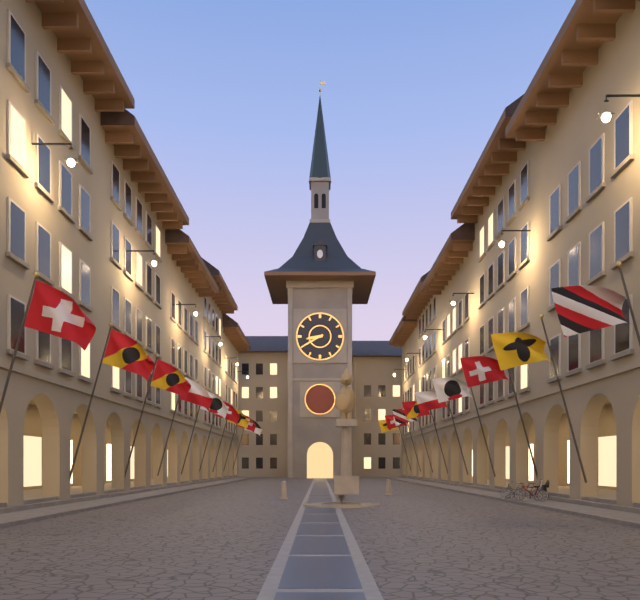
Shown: h=8 m=40
